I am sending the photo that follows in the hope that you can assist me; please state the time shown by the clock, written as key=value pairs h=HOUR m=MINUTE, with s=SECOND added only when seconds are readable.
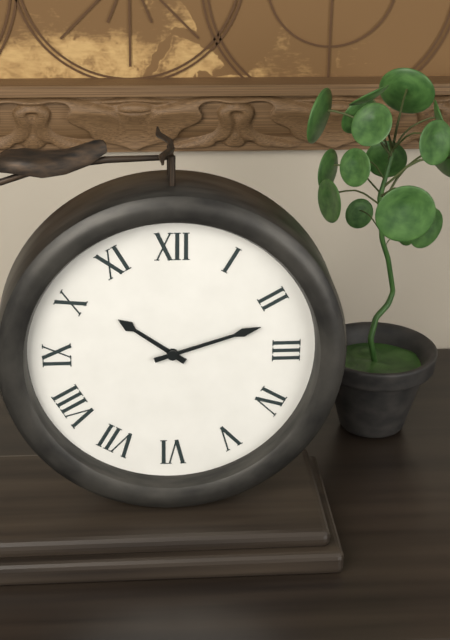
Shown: h=10 m=12
